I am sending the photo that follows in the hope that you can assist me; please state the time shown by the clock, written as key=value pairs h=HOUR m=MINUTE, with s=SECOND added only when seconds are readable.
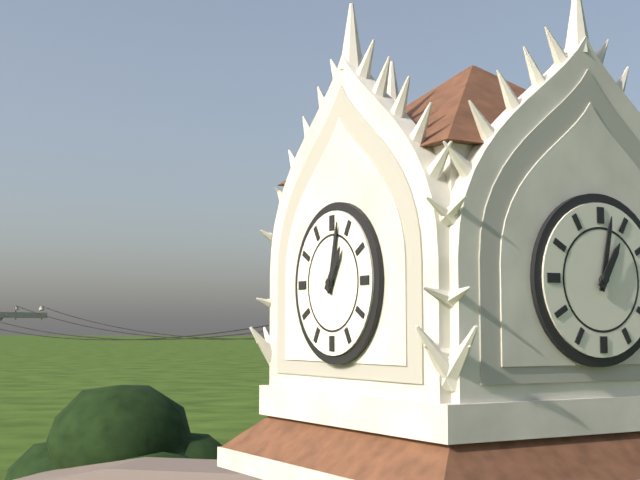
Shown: h=1 m=2
